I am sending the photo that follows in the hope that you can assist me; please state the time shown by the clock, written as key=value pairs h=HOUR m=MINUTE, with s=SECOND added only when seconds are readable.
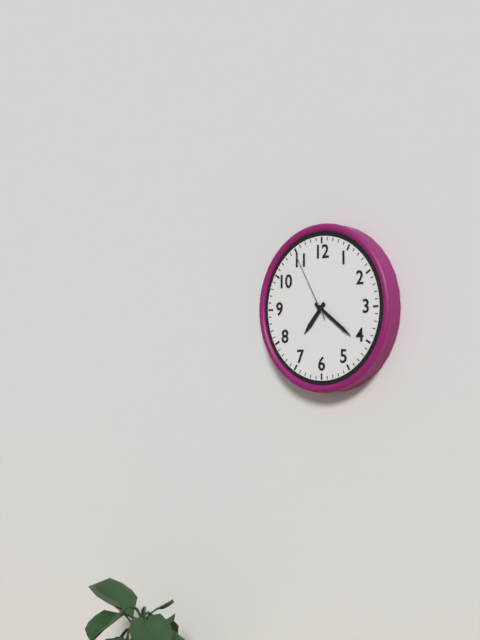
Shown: h=7 m=21 s=55
